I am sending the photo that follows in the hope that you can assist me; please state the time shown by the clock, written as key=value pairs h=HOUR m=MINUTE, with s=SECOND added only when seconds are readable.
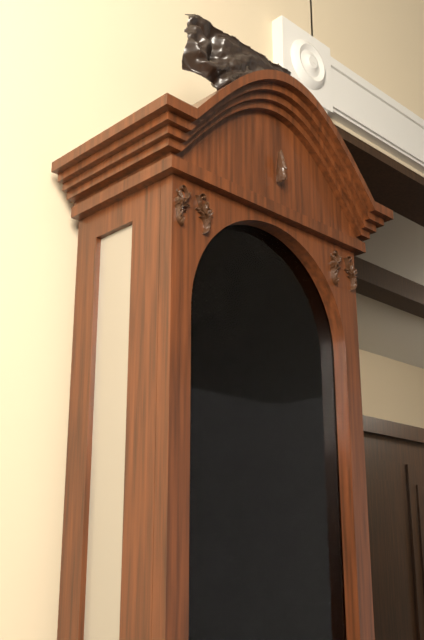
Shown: h=11 m=49
